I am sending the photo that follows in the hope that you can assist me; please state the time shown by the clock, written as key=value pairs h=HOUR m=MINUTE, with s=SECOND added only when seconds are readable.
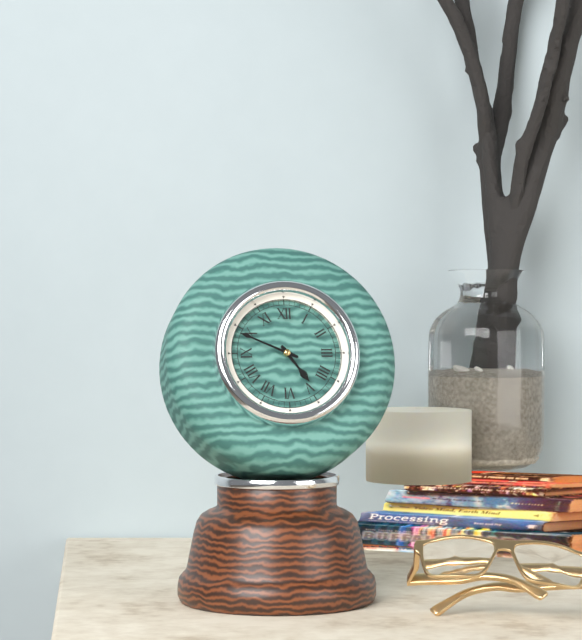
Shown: h=4 m=49
